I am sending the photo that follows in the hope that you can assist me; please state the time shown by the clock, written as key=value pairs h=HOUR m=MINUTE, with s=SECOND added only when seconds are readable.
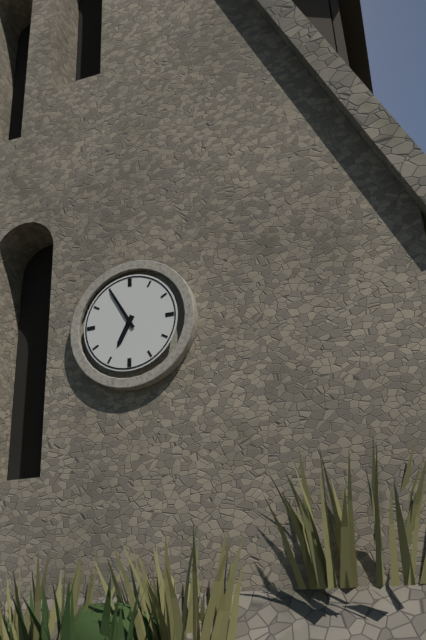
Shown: h=6 m=55
